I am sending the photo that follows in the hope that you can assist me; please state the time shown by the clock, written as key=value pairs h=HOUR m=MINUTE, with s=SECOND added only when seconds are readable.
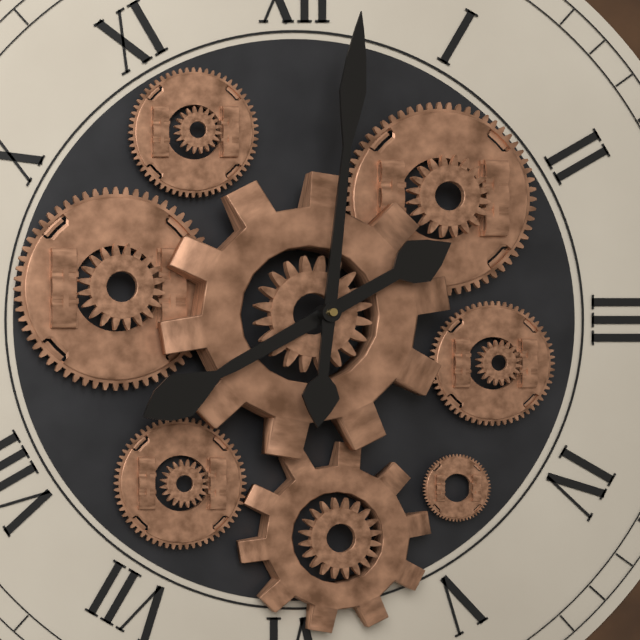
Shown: h=8 m=1
